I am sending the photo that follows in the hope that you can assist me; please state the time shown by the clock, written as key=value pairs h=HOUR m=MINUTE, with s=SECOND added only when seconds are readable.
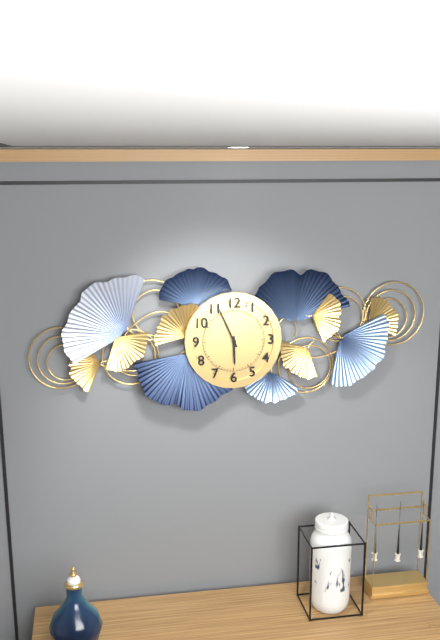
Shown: h=5 m=56
